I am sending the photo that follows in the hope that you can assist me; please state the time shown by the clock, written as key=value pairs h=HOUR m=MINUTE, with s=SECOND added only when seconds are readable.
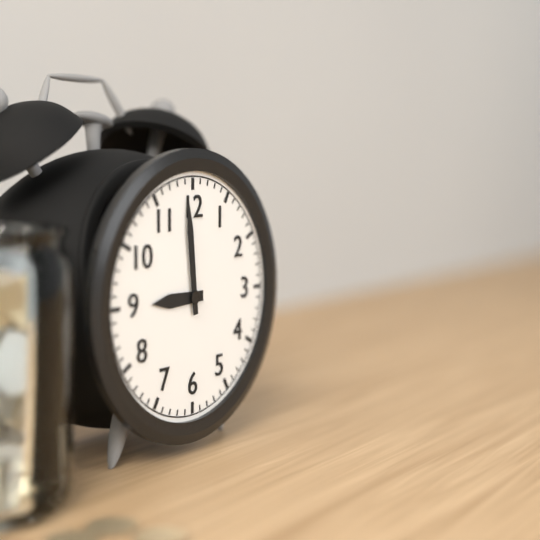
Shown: h=8 m=59
